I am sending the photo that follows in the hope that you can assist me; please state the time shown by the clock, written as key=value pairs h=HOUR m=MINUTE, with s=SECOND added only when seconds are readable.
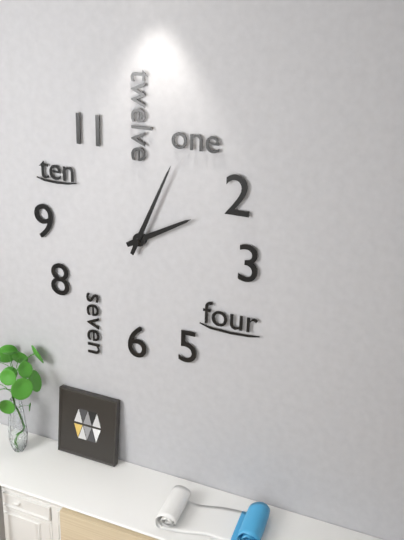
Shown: h=2 m=4
